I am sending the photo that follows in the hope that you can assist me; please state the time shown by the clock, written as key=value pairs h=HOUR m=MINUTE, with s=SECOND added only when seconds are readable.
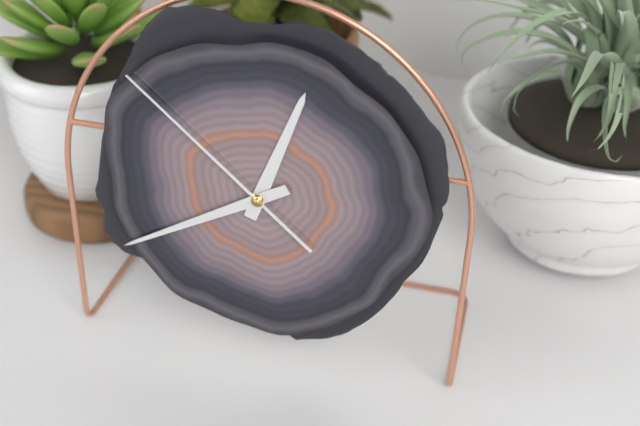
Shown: h=12 m=40 s=52
